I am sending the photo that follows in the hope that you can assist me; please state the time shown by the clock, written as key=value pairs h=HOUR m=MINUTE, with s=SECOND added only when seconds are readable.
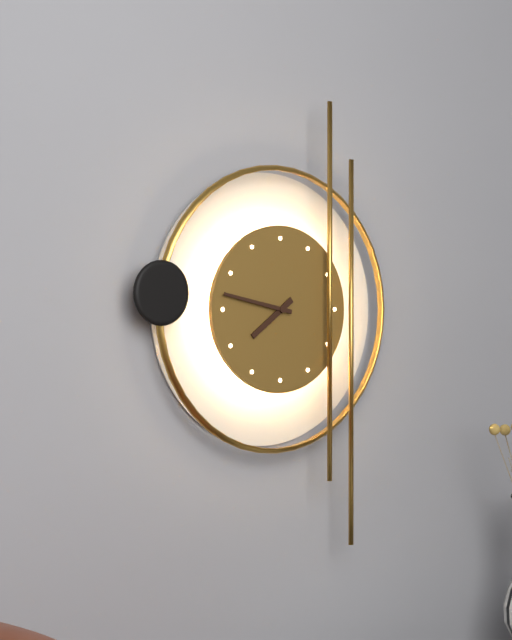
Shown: h=7 m=47
